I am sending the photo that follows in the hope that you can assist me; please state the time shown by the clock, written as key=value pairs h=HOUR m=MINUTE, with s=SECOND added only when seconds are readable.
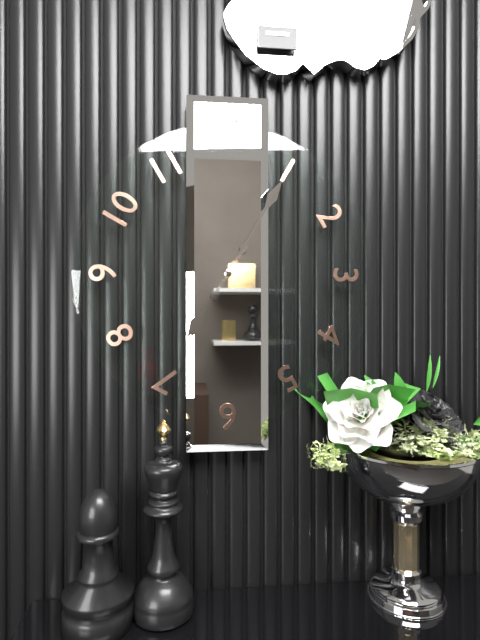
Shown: h=7 m=5
